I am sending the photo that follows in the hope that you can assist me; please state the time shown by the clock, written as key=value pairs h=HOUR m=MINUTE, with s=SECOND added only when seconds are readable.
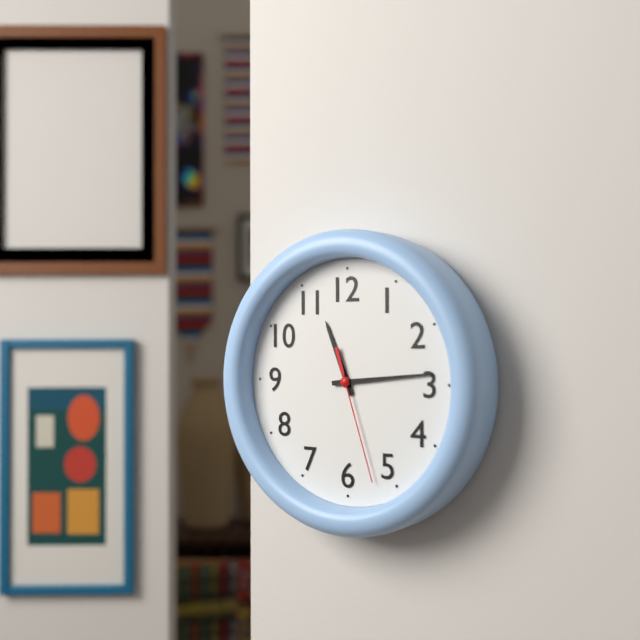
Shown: h=11 m=14 s=27
